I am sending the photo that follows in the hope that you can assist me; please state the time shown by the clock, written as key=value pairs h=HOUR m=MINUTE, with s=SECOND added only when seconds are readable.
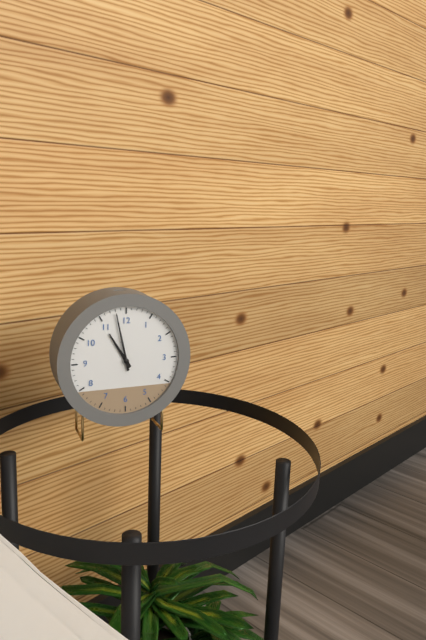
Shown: h=10 m=58
